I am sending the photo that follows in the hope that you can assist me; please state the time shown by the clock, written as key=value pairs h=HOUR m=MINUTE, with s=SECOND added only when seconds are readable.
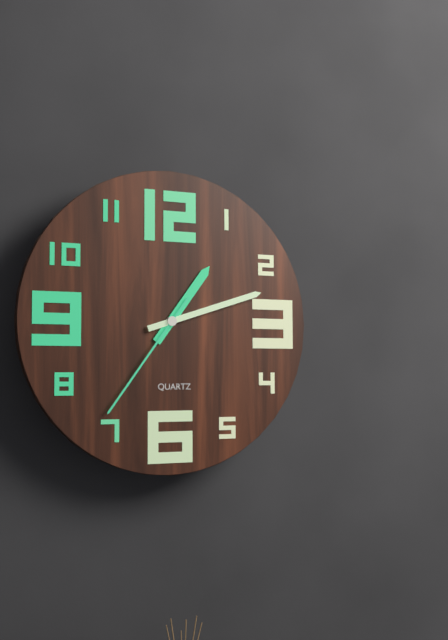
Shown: h=1 m=12 s=36
